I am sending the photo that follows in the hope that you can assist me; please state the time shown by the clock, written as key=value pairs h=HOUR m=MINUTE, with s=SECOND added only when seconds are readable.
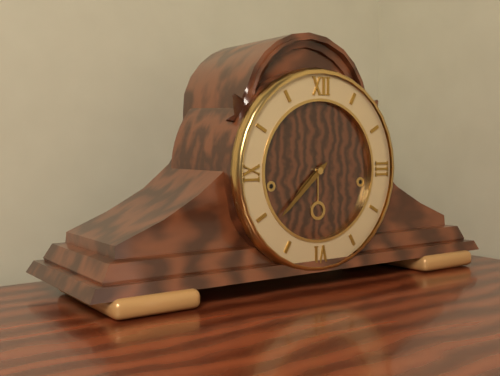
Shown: h=7 m=38
